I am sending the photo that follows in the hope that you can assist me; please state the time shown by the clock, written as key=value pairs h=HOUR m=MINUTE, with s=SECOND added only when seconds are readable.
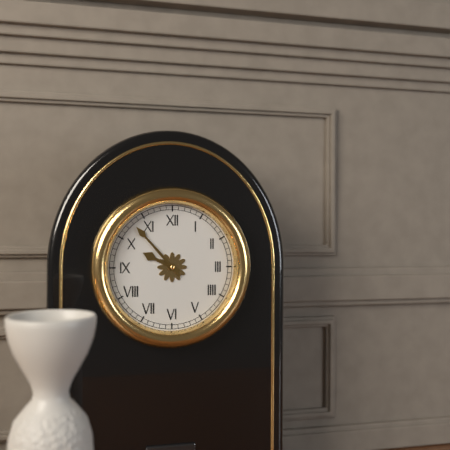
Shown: h=9 m=53
